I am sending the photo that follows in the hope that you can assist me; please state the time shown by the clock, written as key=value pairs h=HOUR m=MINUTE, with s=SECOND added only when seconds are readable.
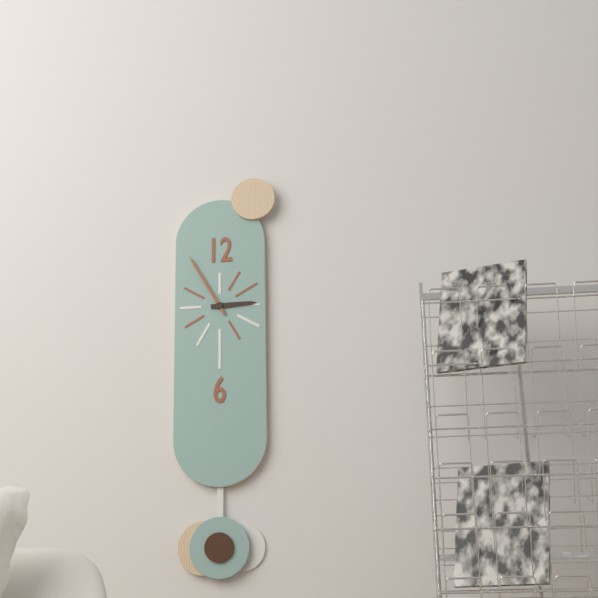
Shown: h=2 m=55
